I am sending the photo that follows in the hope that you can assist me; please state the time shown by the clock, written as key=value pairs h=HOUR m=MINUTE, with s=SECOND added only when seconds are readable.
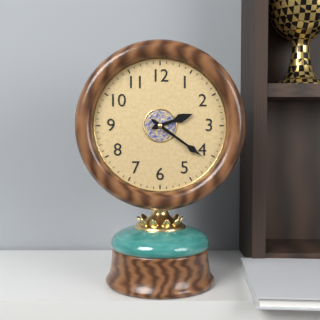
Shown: h=2 m=21
